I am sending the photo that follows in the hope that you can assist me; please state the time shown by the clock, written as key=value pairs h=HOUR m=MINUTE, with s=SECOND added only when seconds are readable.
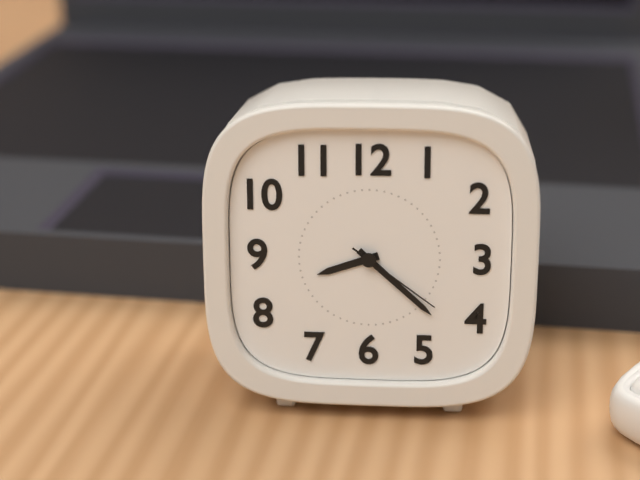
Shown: h=8 m=22 s=21
